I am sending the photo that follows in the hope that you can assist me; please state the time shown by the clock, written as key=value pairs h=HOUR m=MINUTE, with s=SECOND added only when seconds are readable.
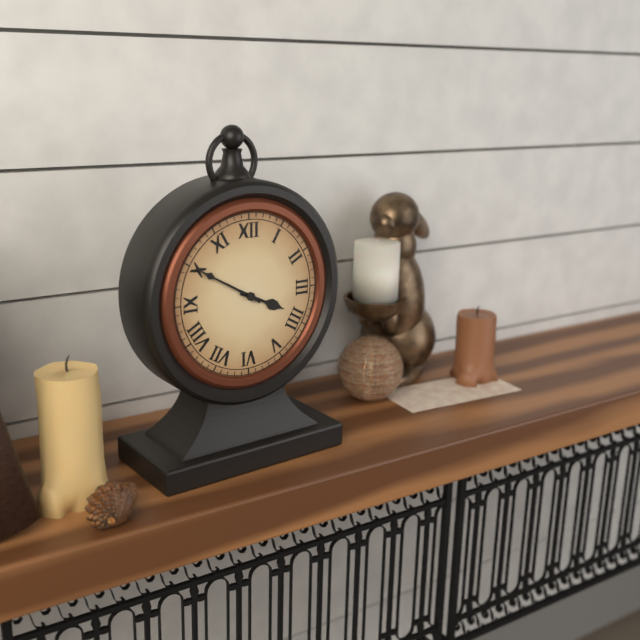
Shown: h=3 m=50
